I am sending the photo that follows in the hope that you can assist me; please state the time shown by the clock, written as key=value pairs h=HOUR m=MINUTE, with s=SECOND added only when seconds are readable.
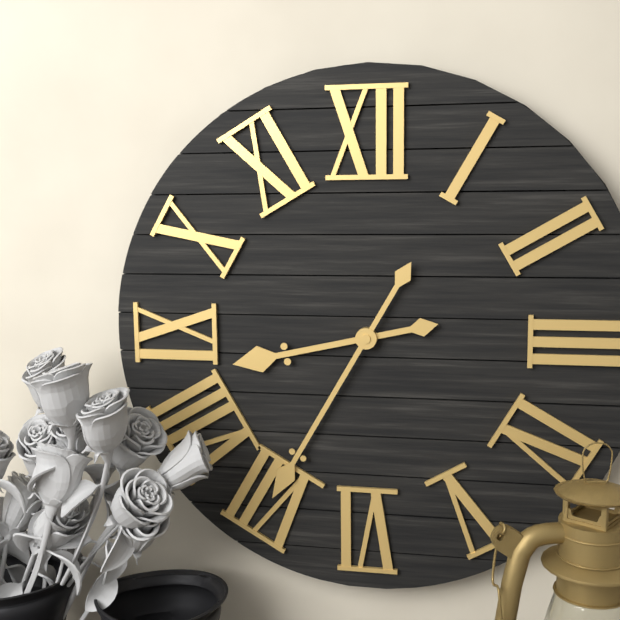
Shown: h=8 m=35
